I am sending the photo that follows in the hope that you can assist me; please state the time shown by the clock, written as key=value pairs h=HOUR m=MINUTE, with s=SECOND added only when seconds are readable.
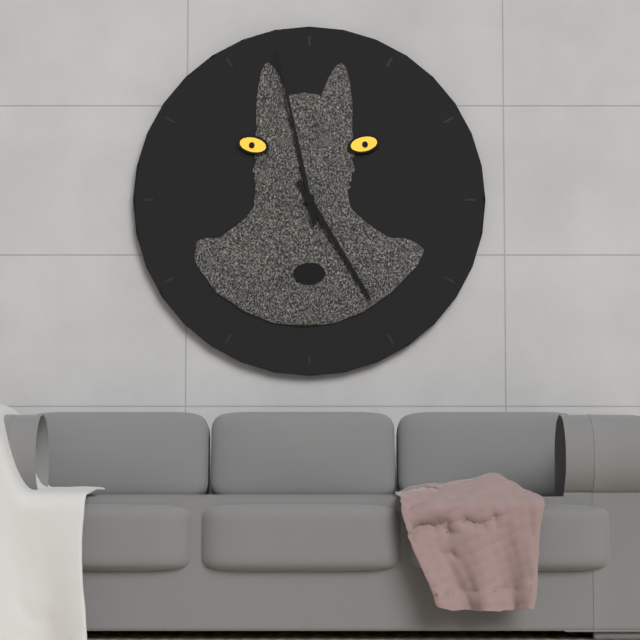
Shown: h=4 m=58
